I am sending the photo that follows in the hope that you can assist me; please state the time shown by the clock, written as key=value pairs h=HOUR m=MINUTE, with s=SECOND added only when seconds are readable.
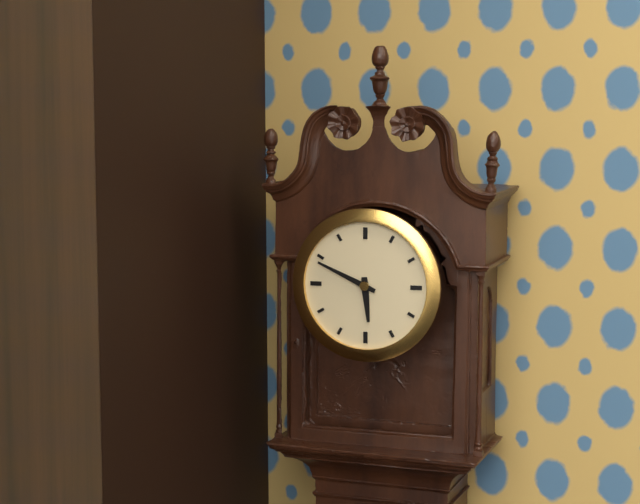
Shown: h=5 m=49
